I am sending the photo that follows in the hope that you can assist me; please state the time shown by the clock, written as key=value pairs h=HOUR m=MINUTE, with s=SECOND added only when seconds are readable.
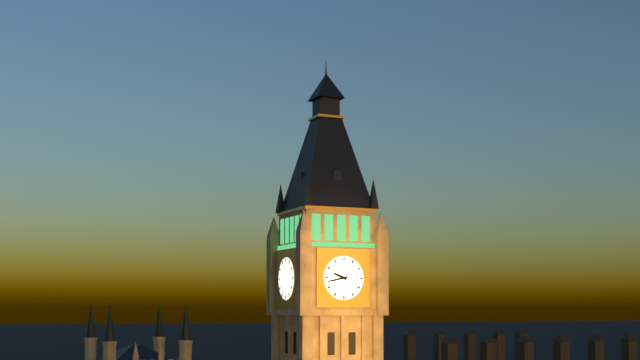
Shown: h=9 m=43
